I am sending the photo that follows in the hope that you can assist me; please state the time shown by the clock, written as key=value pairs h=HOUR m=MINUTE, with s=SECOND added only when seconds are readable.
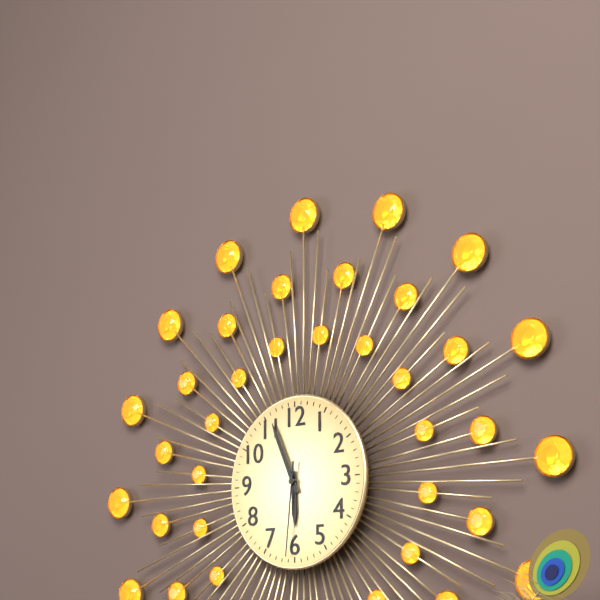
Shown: h=5 m=56 s=31
